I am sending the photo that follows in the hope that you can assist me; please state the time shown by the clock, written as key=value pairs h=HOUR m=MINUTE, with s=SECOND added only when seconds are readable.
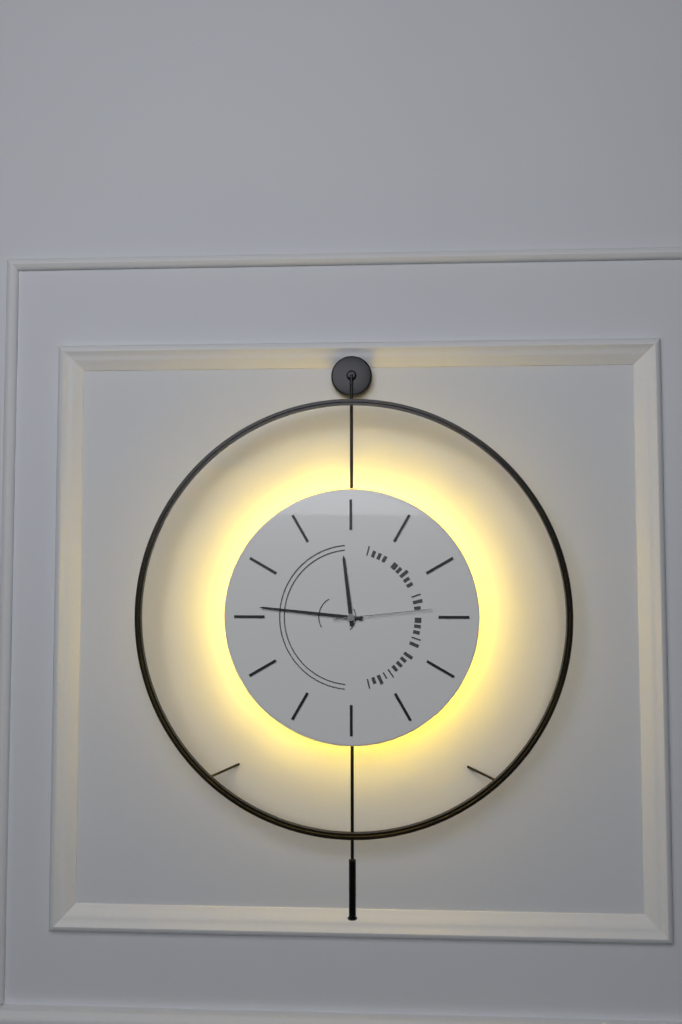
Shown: h=11 m=46 s=14
